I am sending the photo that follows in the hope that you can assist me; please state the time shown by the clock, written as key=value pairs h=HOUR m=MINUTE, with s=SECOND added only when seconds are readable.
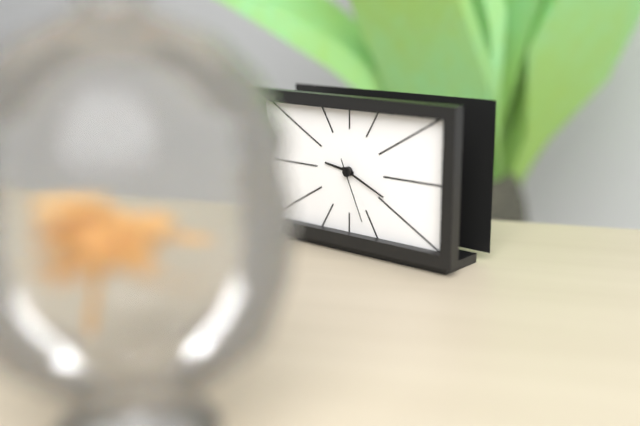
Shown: h=9 m=19 s=26
